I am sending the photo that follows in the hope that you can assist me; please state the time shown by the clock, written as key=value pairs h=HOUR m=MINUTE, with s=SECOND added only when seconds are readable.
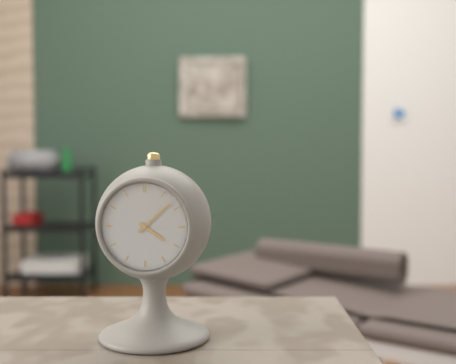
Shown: h=4 m=8
